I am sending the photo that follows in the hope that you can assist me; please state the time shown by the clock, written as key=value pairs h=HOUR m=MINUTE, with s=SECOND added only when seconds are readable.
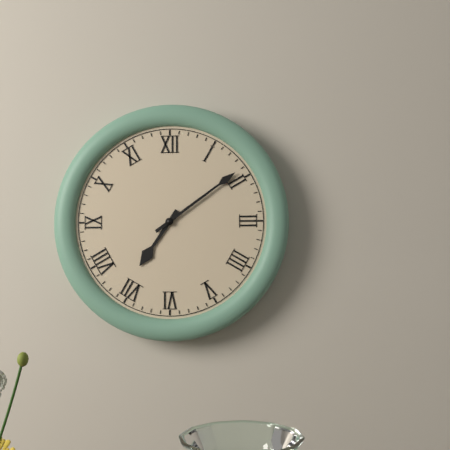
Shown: h=7 m=9
